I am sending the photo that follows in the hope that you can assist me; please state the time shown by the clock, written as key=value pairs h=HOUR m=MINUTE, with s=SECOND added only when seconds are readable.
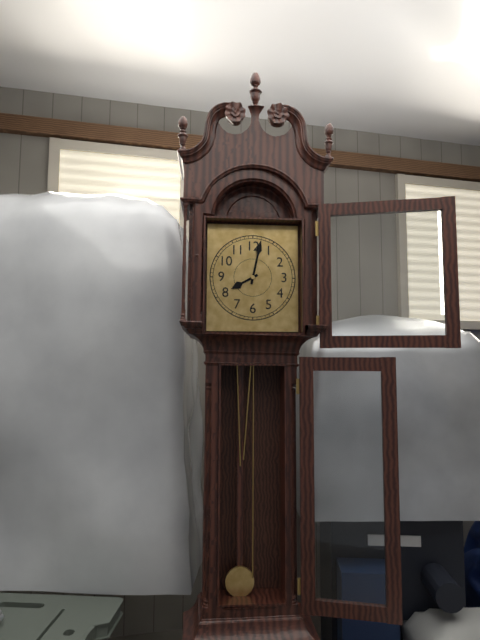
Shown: h=8 m=2
